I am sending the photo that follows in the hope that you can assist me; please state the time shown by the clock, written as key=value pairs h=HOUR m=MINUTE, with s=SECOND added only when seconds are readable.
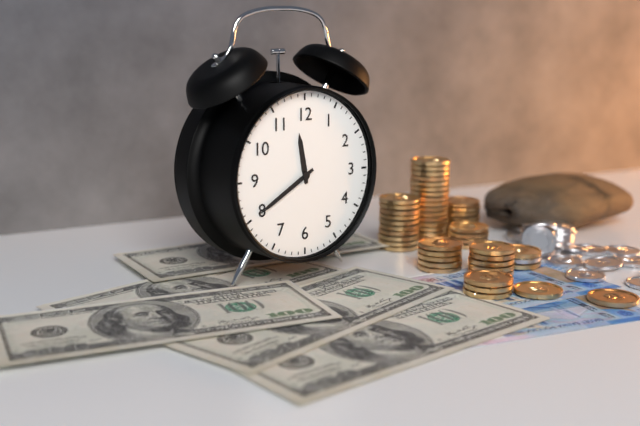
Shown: h=11 m=40
